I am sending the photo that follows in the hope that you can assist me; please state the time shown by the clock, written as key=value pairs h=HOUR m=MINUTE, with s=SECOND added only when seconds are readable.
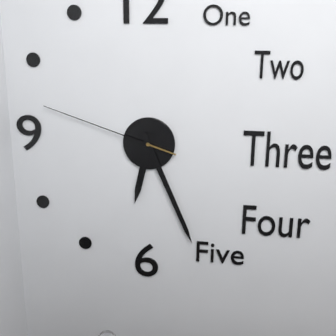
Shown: h=6 m=26 s=48
